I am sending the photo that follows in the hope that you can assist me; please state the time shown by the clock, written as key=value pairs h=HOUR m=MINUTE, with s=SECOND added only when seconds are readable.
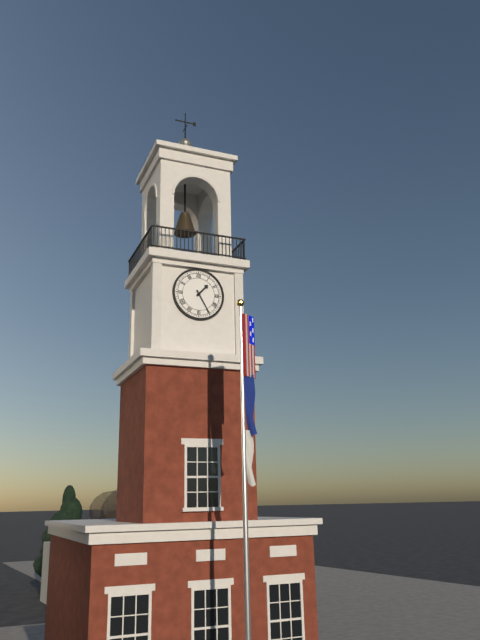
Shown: h=1 m=25
